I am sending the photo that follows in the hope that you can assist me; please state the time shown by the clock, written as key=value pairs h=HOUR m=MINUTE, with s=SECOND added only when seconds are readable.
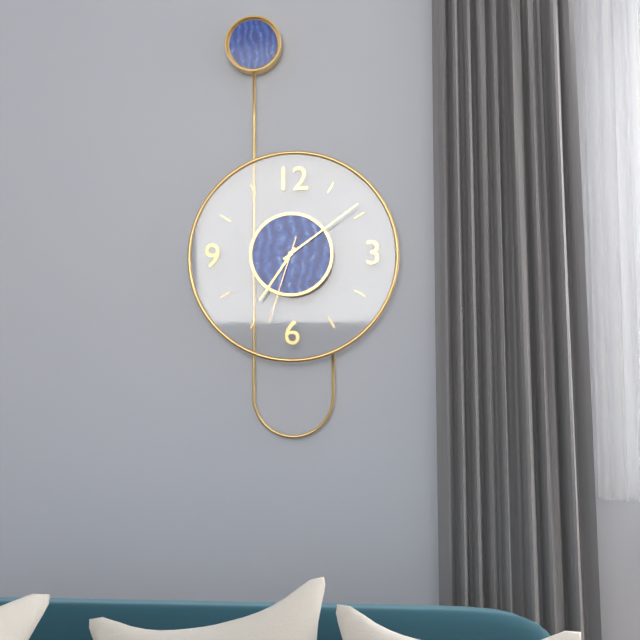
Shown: h=7 m=9 s=33
